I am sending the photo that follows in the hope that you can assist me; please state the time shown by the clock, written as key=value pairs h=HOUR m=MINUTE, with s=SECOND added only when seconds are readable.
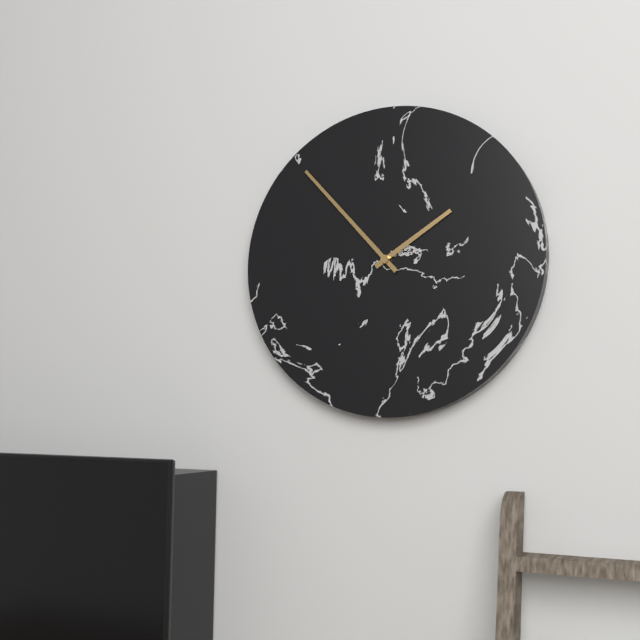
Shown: h=1 m=53
